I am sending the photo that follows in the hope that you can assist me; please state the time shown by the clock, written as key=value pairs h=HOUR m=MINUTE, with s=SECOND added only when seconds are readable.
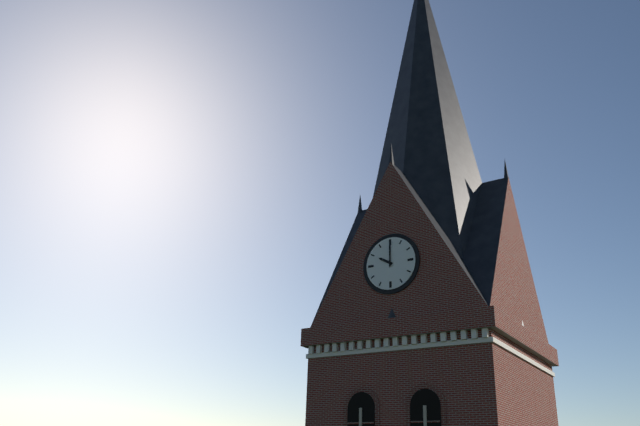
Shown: h=10 m=0
